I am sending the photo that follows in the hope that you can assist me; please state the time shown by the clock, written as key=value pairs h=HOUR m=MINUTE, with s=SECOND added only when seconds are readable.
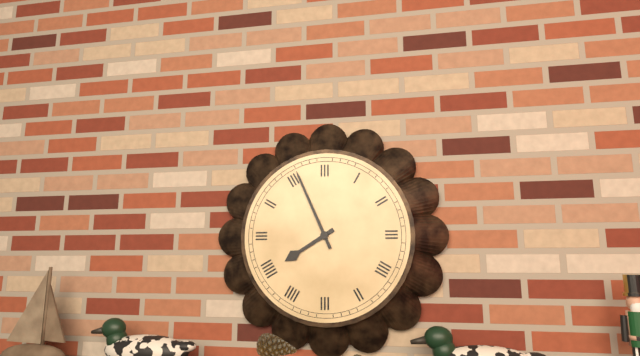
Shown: h=7 m=56
